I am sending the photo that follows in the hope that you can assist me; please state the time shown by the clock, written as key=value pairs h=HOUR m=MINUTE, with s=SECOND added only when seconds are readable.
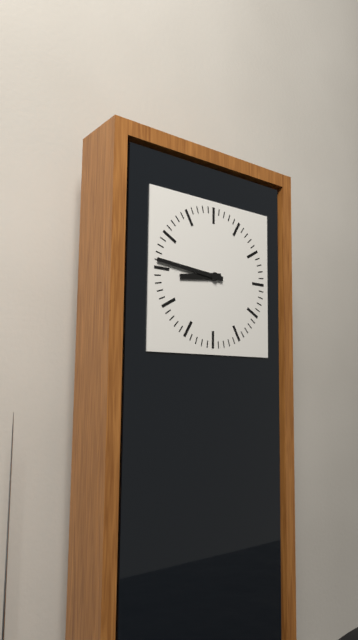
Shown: h=8 m=46
